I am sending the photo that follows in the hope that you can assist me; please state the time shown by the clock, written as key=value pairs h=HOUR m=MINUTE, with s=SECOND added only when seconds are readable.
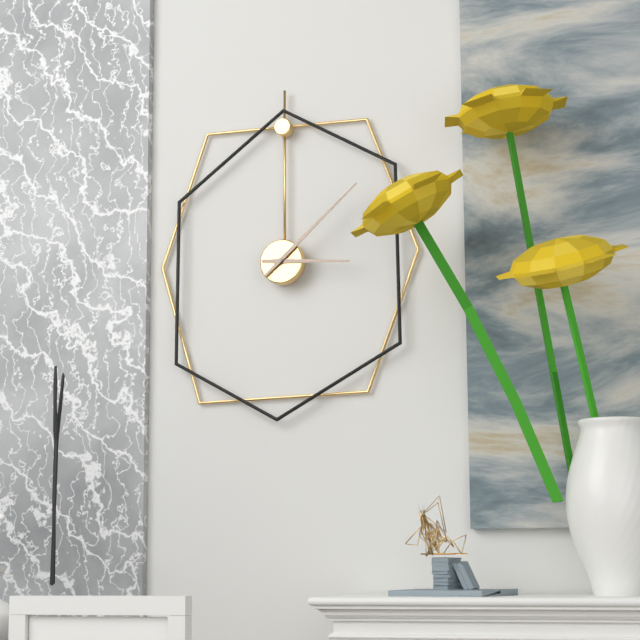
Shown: h=3 m=8
